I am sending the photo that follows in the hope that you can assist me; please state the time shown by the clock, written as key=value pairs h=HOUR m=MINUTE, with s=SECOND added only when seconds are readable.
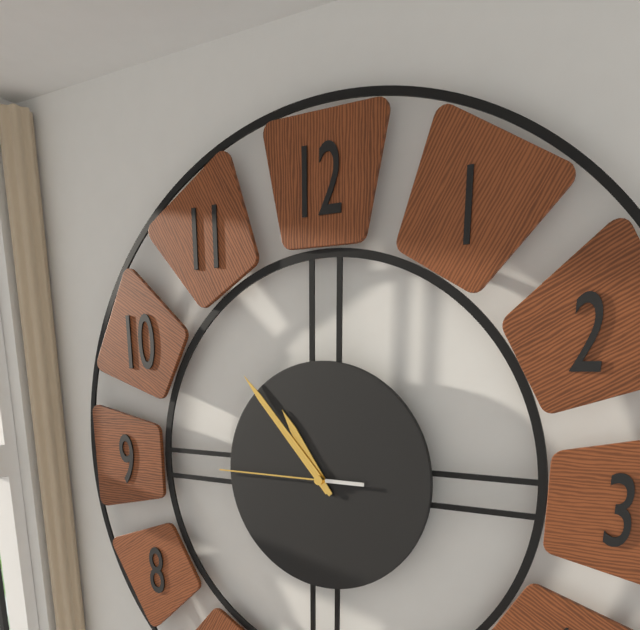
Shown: h=10 m=53 s=45
